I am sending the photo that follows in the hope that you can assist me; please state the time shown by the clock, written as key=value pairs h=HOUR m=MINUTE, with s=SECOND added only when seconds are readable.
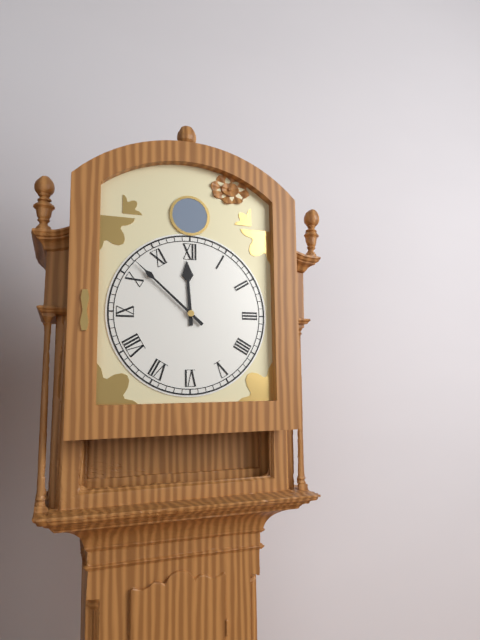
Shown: h=11 m=52
